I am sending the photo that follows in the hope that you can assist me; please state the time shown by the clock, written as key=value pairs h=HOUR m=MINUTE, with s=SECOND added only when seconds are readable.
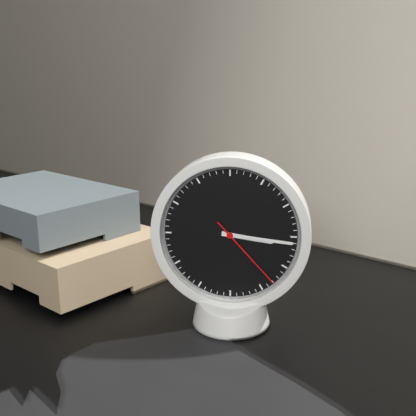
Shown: h=3 m=16 s=23
